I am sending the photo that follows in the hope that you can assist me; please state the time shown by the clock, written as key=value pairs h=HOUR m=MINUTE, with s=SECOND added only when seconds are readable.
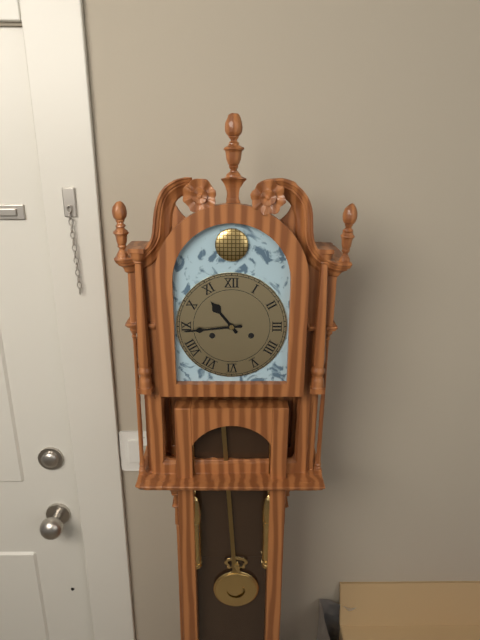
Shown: h=10 m=44
